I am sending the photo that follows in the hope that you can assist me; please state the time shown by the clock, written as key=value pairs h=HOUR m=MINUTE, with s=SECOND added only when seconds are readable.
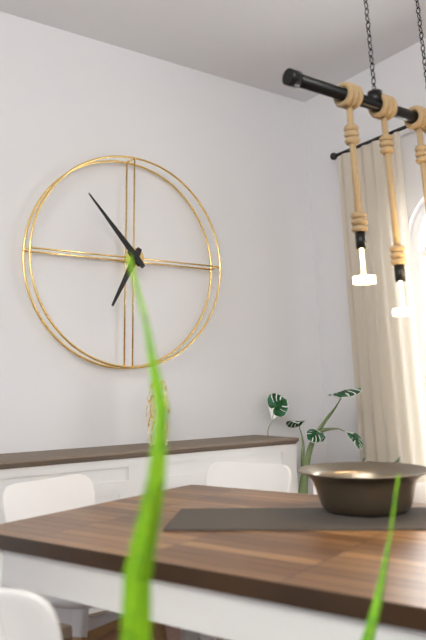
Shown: h=6 m=53
